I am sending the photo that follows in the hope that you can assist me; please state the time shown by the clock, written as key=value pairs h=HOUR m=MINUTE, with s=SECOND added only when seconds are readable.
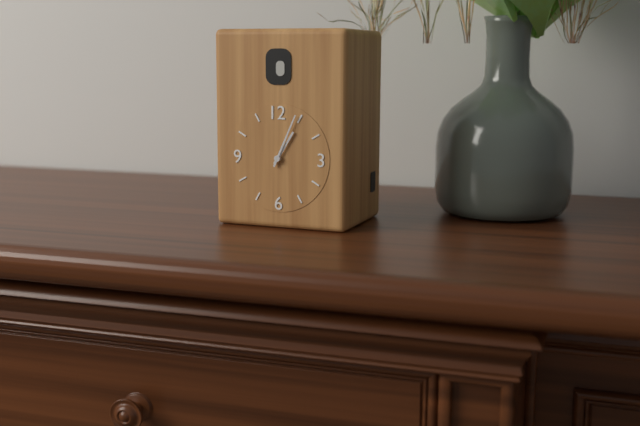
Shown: h=1 m=4
